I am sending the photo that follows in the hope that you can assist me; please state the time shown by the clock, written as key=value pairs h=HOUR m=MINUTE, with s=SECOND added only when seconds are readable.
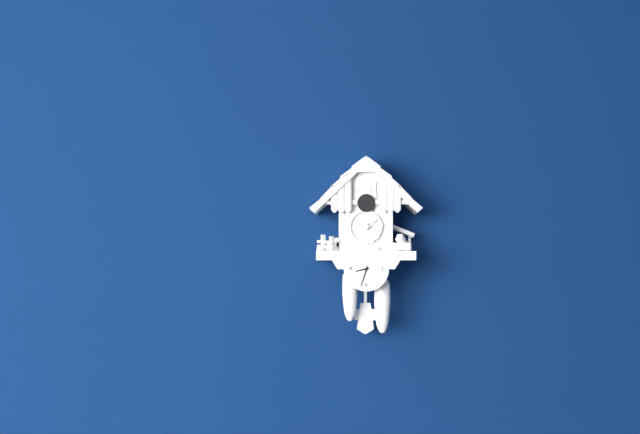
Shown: h=8 m=33
